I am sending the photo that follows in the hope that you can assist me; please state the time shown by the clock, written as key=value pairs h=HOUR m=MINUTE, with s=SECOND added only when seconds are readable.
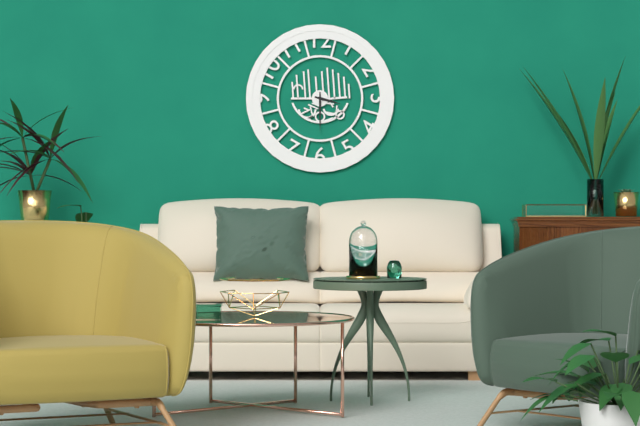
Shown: h=3 m=30
